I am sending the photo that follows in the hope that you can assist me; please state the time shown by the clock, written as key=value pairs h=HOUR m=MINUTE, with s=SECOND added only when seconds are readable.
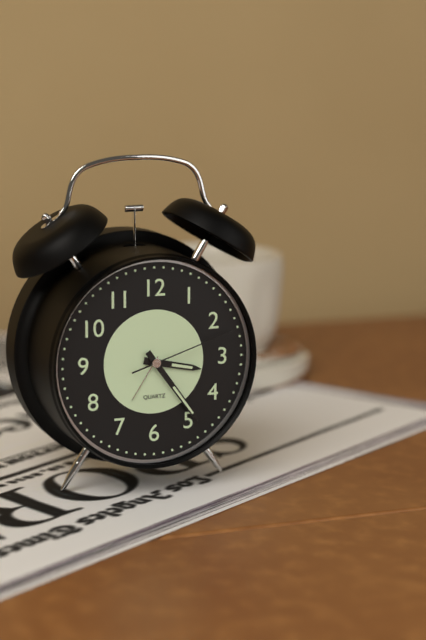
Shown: h=3 m=24 s=12
